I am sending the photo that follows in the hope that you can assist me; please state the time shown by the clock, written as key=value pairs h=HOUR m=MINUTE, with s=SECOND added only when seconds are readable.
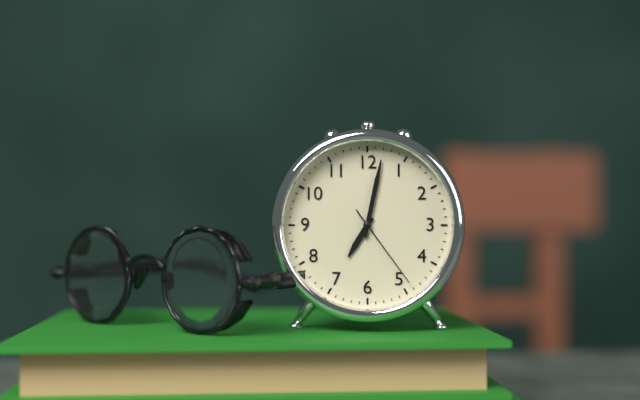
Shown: h=7 m=2 s=24
